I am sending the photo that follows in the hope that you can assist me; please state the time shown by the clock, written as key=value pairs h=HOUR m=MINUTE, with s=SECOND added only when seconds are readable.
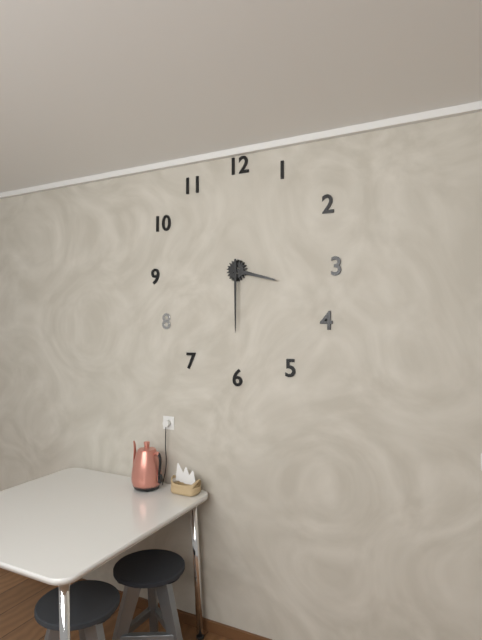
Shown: h=3 m=30
